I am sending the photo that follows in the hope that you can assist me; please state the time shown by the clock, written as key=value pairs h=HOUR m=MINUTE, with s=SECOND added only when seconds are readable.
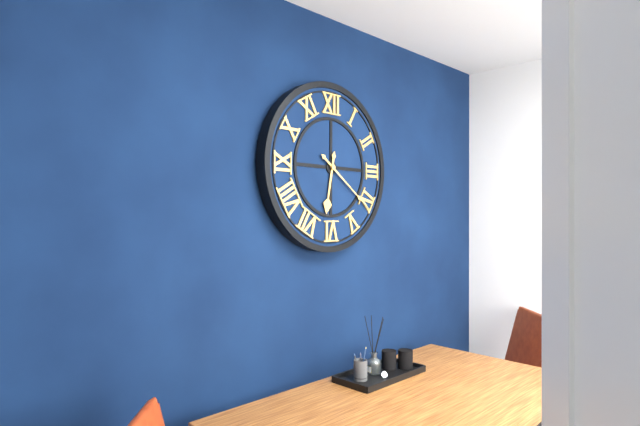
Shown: h=6 m=21
